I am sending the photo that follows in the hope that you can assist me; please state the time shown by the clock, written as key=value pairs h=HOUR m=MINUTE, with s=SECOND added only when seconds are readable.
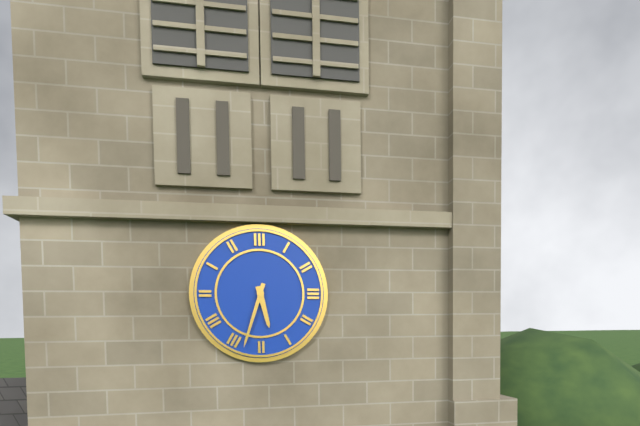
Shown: h=5 m=33
